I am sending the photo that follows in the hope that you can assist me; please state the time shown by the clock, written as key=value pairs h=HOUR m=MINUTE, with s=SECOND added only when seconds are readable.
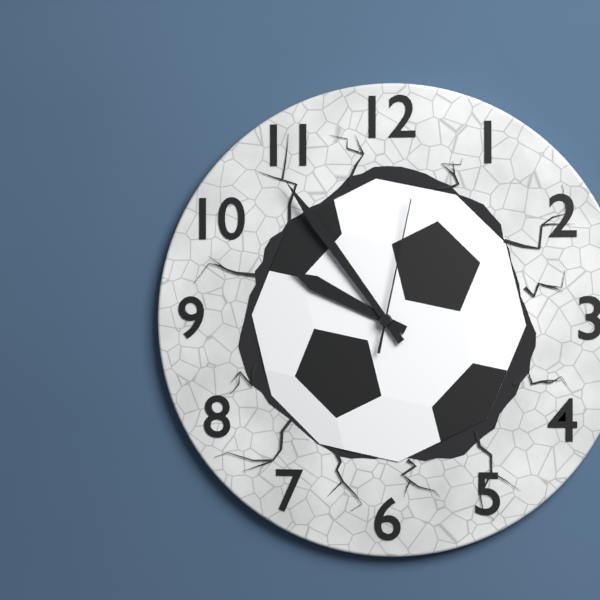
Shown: h=9 m=54 s=2
